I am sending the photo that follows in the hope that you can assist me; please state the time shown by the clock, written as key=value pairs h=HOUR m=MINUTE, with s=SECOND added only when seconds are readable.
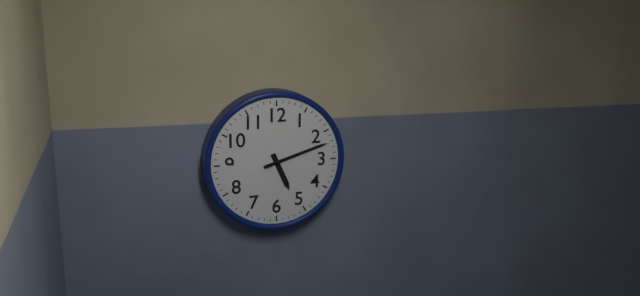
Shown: h=5 m=12
